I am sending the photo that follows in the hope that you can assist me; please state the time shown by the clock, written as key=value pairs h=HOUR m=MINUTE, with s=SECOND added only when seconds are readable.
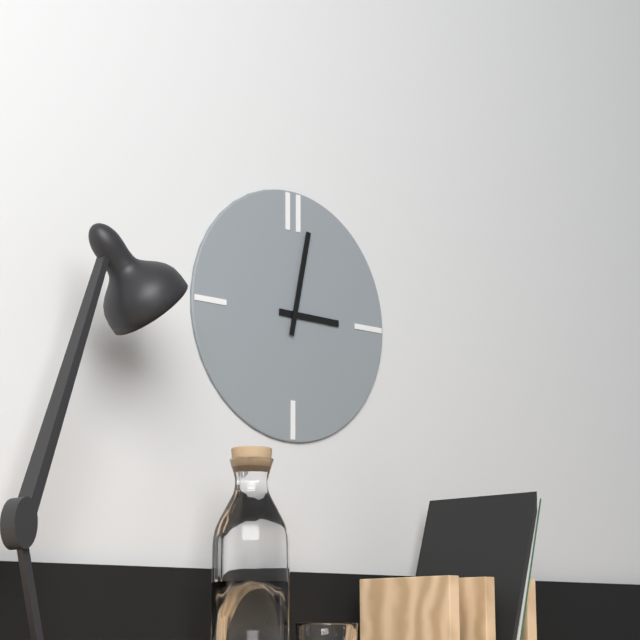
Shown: h=3 m=2
